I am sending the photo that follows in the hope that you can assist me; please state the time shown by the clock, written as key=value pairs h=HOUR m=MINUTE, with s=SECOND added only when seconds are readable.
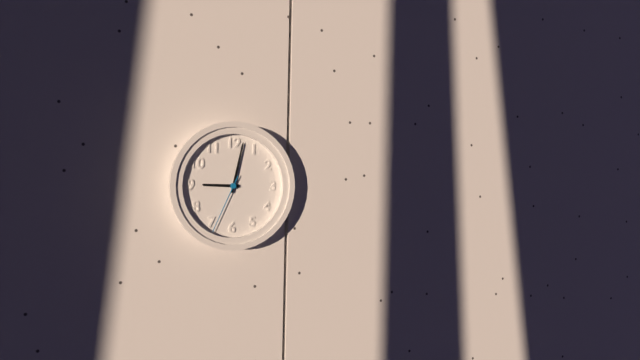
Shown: h=9 m=2 s=34
